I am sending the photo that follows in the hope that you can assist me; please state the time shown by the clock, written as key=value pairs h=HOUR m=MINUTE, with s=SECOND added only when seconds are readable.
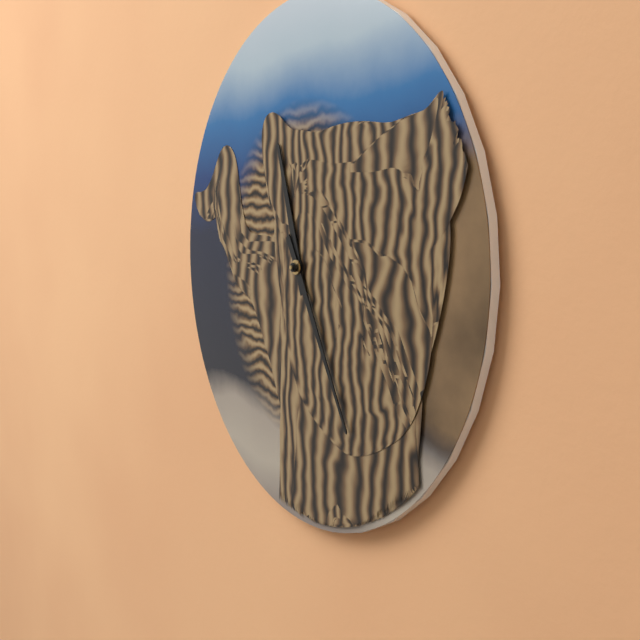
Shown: h=11 m=25
